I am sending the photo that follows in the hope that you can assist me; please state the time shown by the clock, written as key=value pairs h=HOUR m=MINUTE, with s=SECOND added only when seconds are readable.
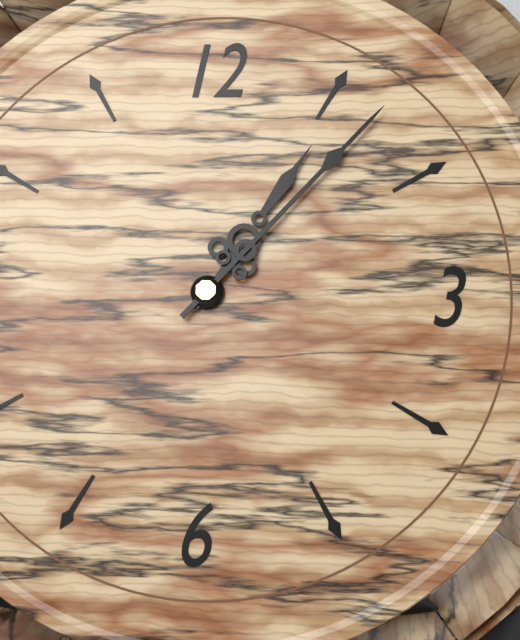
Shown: h=1 m=7
